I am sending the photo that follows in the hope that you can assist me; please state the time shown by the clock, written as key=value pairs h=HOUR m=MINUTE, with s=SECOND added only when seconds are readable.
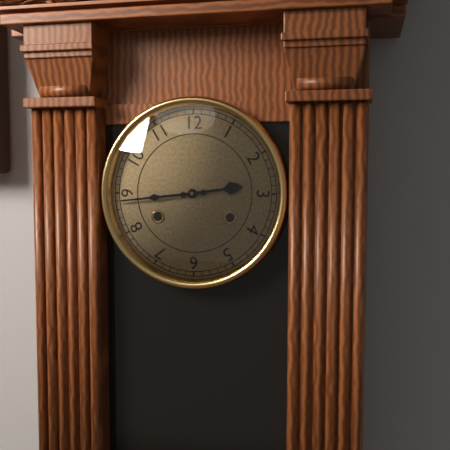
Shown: h=2 m=44
